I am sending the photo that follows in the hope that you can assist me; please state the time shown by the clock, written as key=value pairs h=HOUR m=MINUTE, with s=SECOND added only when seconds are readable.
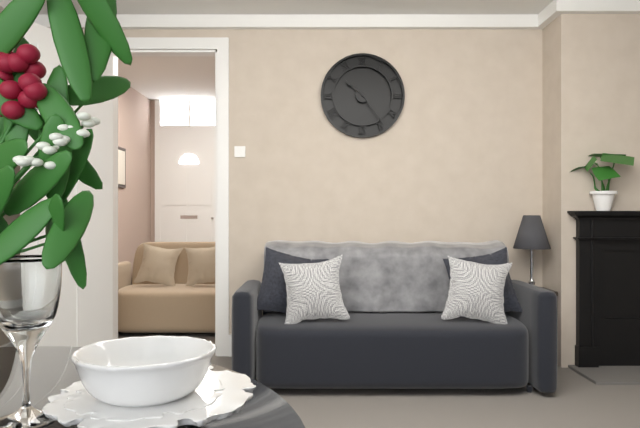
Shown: h=10 m=24
